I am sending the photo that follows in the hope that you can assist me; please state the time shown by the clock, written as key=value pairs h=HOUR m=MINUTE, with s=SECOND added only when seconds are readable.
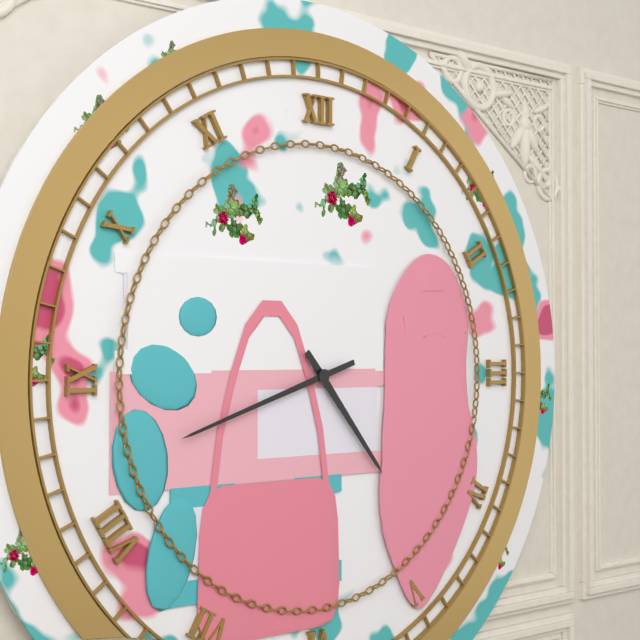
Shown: h=4 m=42
